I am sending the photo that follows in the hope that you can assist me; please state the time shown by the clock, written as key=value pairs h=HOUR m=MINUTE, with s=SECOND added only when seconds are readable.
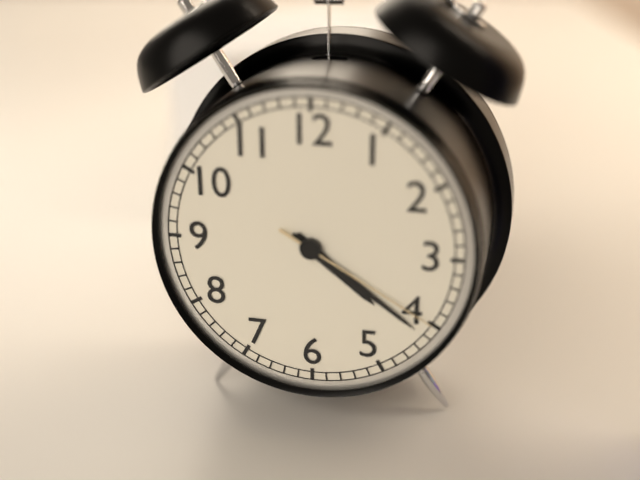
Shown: h=4 m=21 s=20
